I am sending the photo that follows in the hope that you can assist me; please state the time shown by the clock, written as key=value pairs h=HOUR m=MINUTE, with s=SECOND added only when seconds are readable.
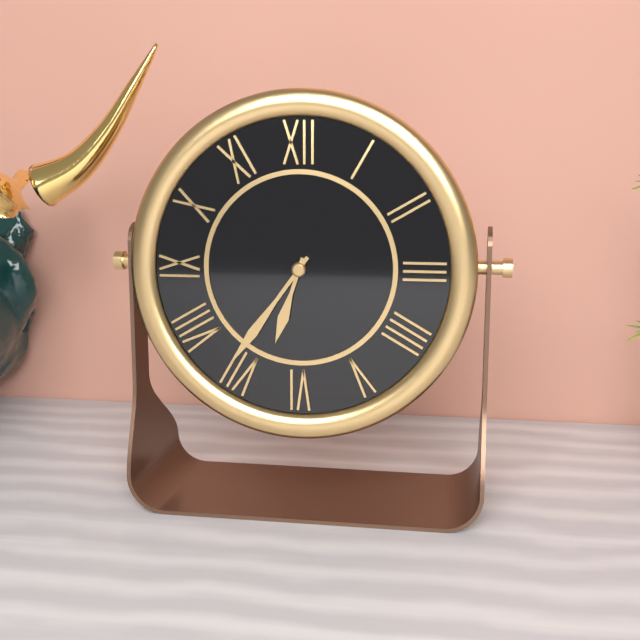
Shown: h=6 m=36
